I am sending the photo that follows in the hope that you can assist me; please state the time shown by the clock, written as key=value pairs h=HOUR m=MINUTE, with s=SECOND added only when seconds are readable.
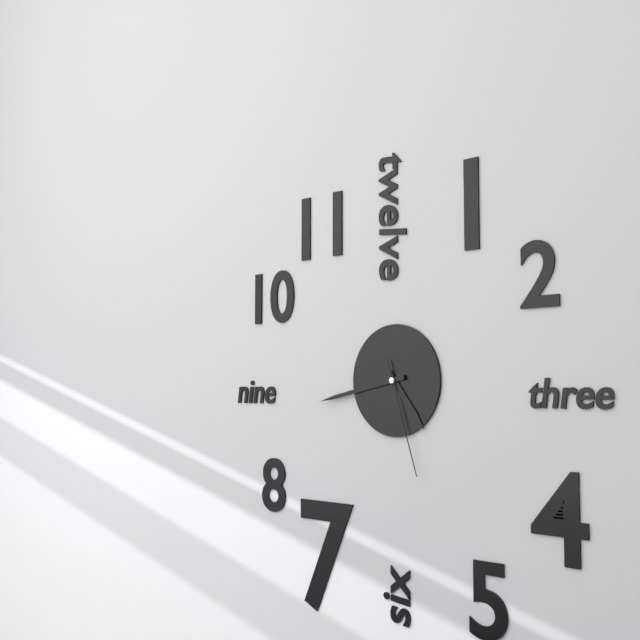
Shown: h=4 m=43 s=27
